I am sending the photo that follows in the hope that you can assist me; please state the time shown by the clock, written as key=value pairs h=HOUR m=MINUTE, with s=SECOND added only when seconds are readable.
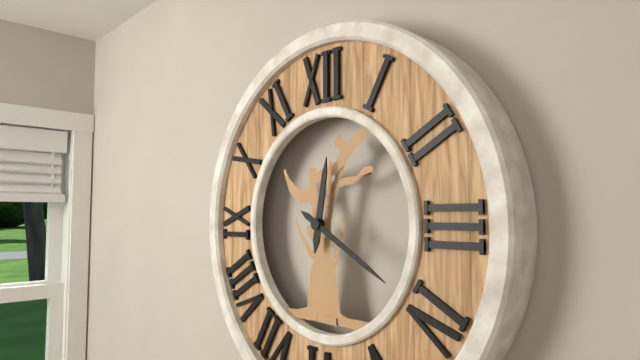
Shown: h=12 m=20
